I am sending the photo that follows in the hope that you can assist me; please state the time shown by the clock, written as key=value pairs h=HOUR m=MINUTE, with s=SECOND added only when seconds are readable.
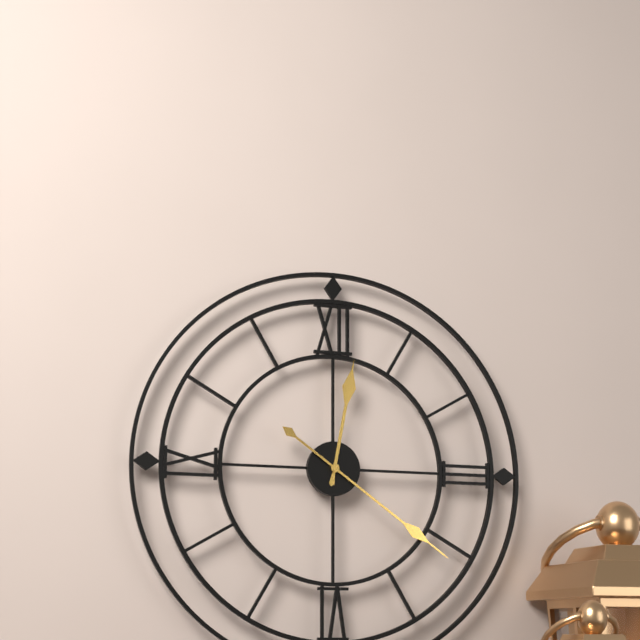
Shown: h=12 m=21
